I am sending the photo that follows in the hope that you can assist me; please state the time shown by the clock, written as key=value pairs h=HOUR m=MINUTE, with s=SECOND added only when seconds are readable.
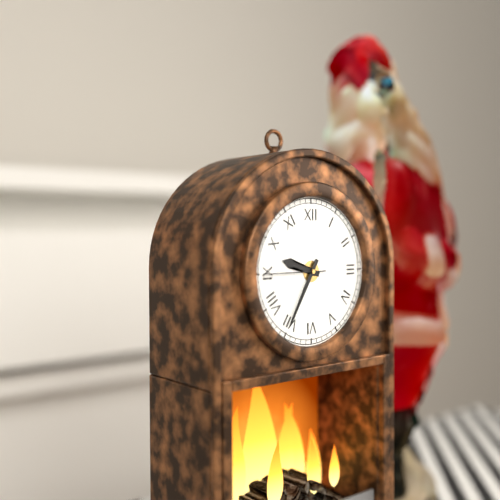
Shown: h=9 m=35 s=45
